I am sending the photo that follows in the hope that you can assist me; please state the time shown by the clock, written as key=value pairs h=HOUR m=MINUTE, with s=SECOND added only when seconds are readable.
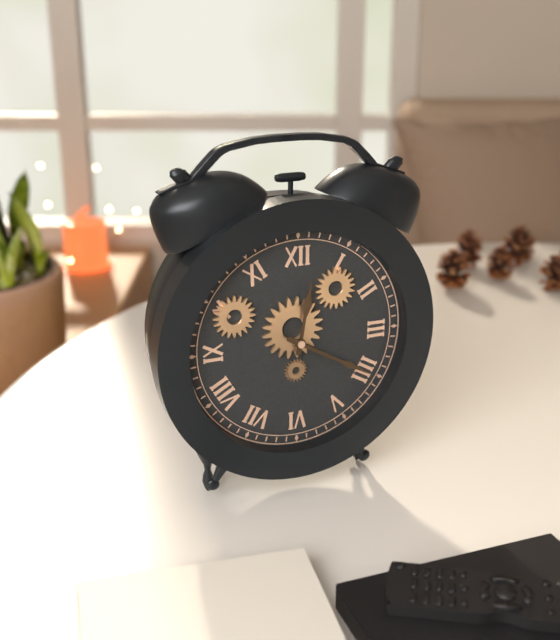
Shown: h=12 m=20
